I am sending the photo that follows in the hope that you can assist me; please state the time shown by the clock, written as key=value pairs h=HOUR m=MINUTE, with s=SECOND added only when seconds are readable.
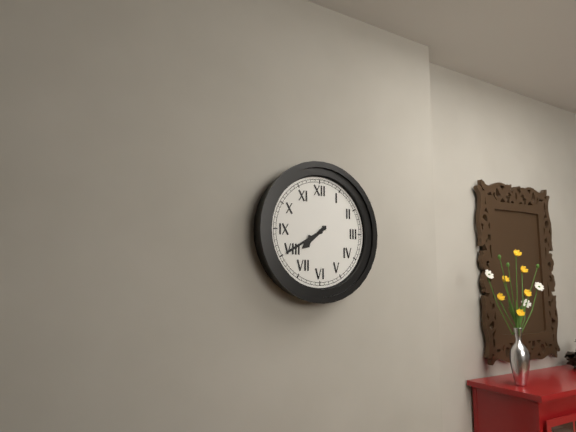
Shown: h=7 m=40
